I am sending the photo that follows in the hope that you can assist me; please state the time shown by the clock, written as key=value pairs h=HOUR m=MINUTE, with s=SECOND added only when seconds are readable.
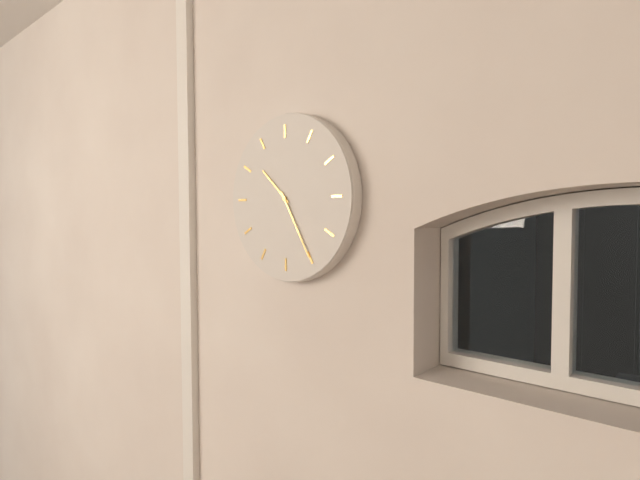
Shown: h=10 m=25
